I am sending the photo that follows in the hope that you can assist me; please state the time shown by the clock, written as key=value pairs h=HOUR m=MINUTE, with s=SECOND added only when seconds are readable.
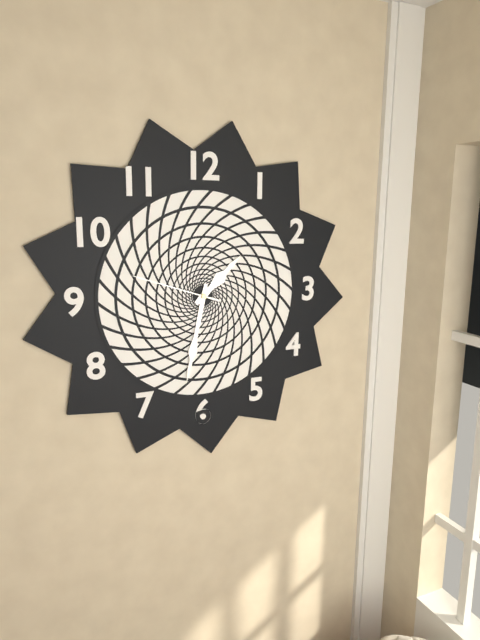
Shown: h=1 m=32 s=48
